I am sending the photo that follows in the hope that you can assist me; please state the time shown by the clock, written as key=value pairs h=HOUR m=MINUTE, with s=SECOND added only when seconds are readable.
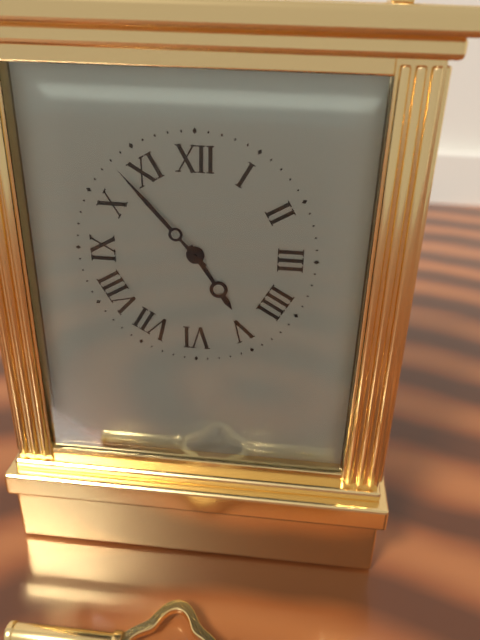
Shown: h=4 m=53
